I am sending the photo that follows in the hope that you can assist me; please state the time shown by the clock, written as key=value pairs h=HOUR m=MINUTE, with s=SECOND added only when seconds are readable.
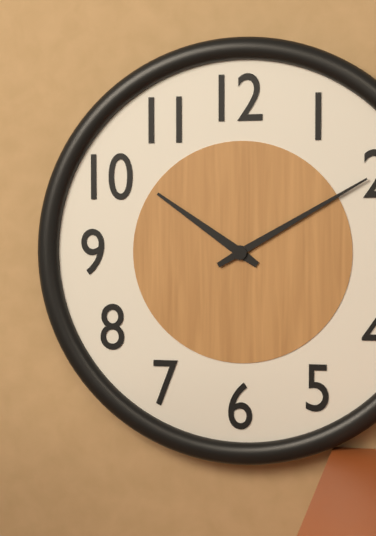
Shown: h=10 m=10
